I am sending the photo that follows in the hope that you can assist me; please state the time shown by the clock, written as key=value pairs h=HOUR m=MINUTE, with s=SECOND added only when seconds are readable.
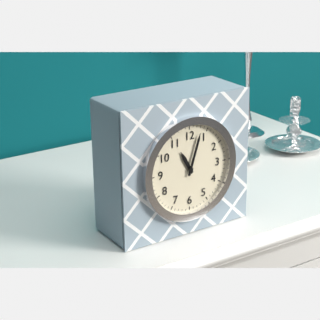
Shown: h=11 m=3
